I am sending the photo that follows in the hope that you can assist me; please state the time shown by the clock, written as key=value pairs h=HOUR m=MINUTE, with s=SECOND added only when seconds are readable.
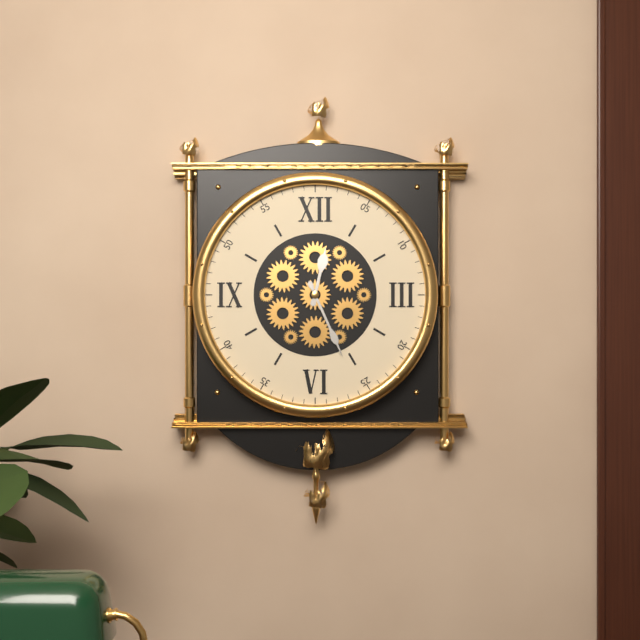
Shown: h=12 m=26
